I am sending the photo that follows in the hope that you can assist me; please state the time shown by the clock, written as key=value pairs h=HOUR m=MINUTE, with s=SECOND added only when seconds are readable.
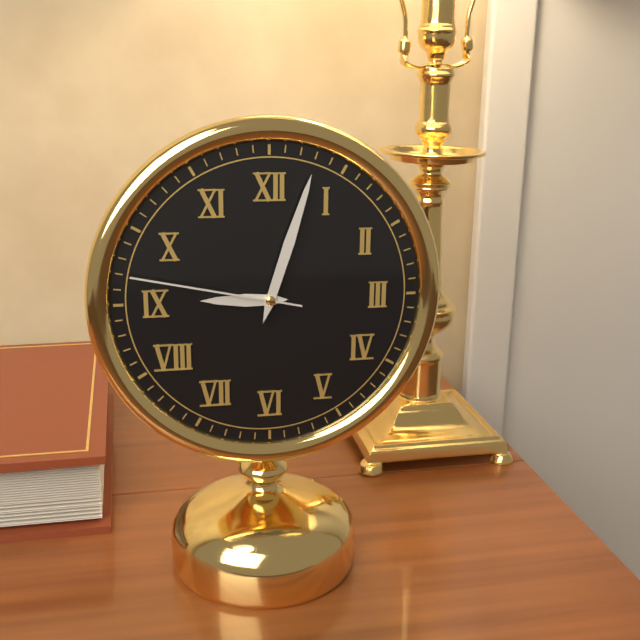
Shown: h=9 m=3 s=47
